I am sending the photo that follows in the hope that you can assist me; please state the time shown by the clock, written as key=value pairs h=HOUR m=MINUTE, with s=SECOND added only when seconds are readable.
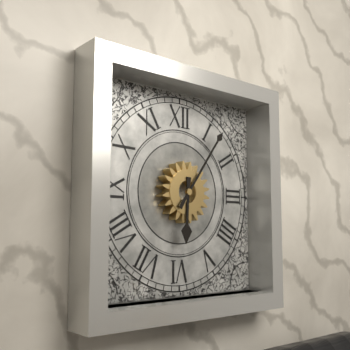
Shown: h=6 m=6
